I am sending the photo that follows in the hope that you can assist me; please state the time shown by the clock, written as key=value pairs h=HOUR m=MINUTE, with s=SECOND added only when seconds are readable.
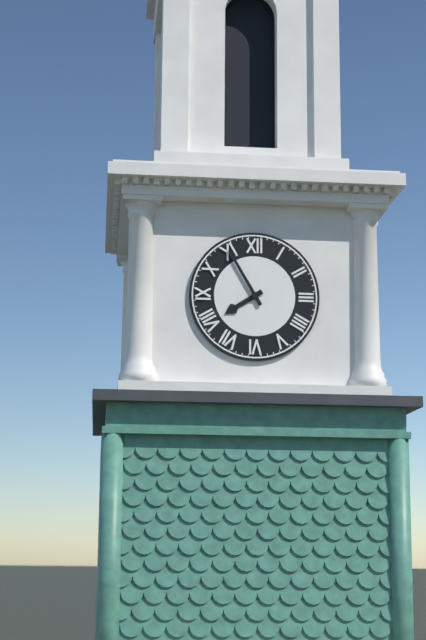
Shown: h=7 m=55
